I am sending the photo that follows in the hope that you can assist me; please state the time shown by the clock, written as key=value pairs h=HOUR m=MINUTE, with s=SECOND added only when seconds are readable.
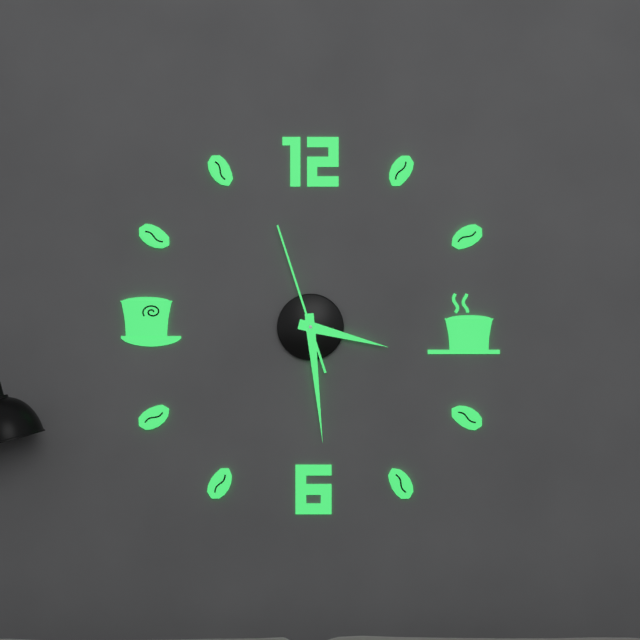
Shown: h=3 m=29 s=57
